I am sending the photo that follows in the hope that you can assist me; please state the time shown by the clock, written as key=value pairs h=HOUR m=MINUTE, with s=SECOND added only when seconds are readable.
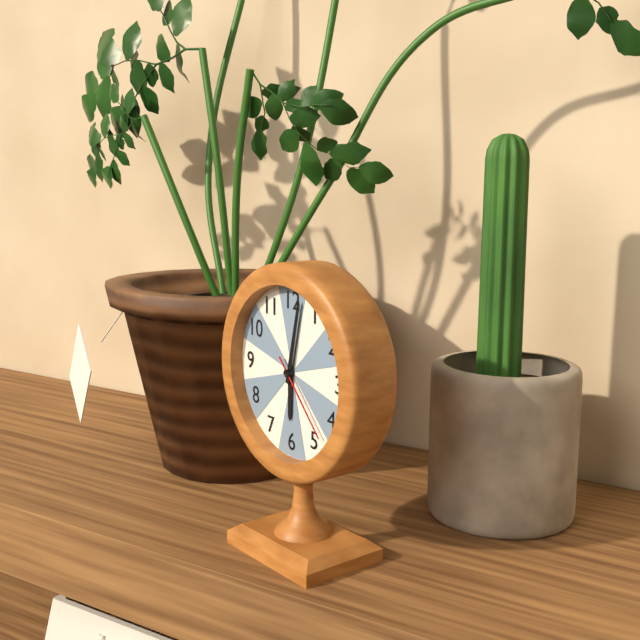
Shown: h=6 m=2 s=23
